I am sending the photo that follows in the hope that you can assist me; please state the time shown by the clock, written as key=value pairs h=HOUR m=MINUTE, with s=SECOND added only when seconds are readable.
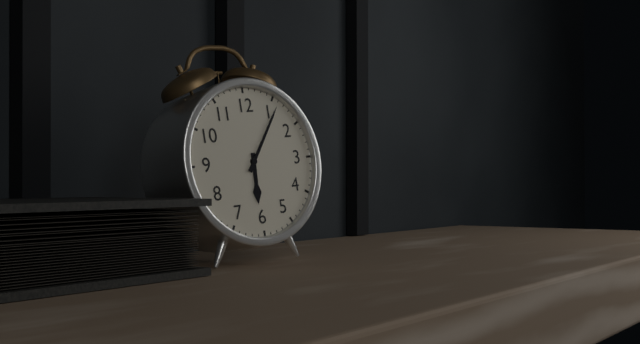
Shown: h=6 m=6
